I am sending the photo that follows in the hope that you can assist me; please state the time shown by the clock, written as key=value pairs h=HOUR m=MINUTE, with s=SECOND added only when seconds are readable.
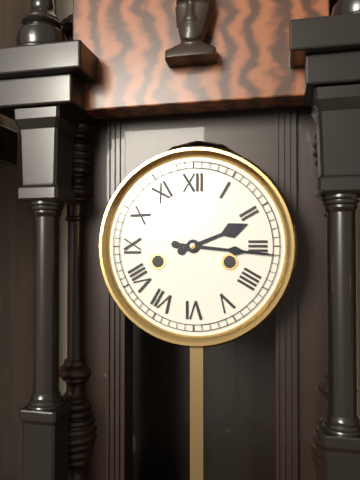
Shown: h=2 m=16
